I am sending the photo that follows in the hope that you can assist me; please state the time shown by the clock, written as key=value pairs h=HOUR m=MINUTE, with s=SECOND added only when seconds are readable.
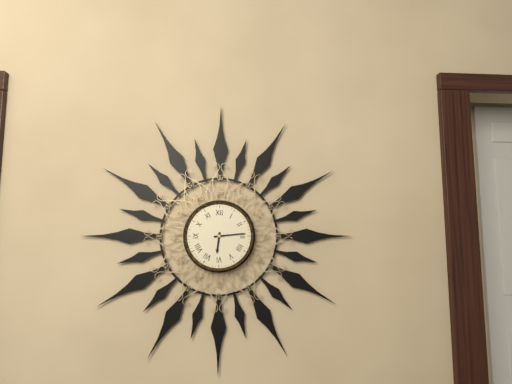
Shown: h=6 m=14
